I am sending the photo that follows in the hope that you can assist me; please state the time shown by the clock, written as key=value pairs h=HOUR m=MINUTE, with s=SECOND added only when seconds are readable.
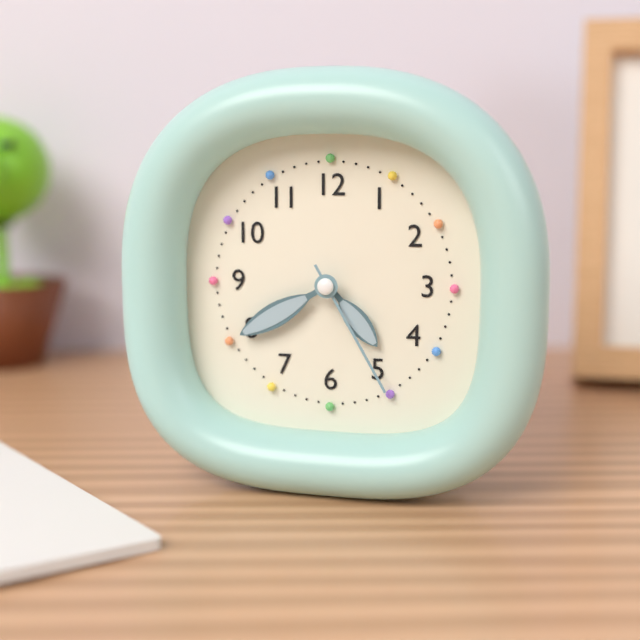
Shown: h=4 m=40 s=25
